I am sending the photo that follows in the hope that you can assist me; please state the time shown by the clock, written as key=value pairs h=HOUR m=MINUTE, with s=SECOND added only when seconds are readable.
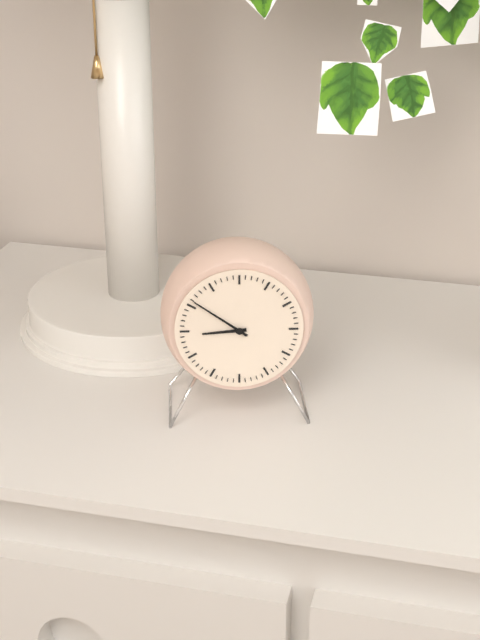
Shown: h=8 m=51
